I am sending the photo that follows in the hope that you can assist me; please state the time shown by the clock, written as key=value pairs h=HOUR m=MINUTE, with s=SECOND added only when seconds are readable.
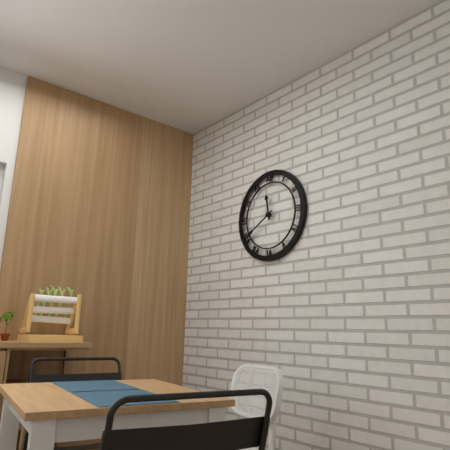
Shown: h=11 m=40
